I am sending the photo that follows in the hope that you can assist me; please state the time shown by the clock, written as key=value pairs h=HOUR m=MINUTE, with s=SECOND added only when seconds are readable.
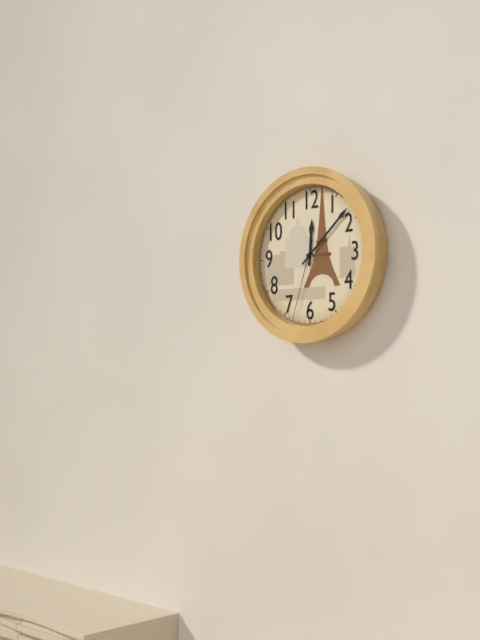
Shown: h=12 m=8 s=33
